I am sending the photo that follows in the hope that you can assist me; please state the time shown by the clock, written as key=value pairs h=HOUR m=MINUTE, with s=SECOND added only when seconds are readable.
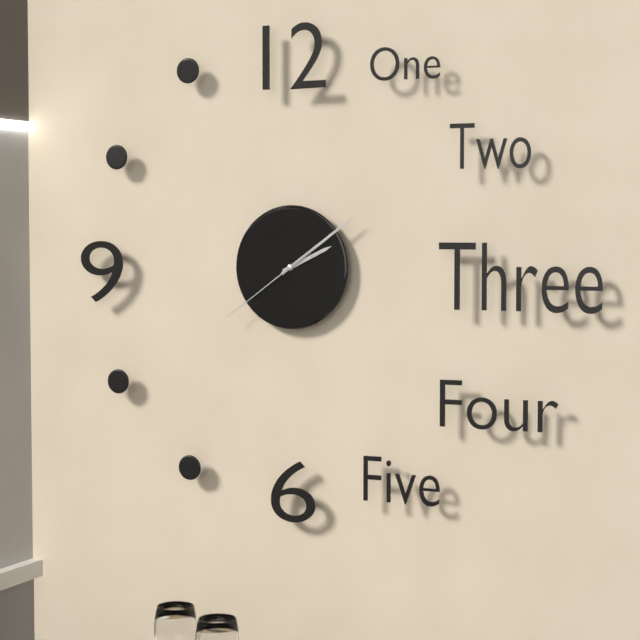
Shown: h=2 m=9 s=39
